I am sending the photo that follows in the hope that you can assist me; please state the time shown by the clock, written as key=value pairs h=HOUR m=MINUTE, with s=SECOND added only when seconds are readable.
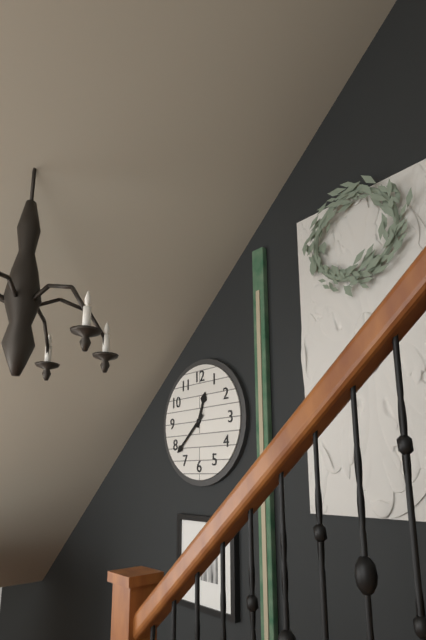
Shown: h=12 m=38
